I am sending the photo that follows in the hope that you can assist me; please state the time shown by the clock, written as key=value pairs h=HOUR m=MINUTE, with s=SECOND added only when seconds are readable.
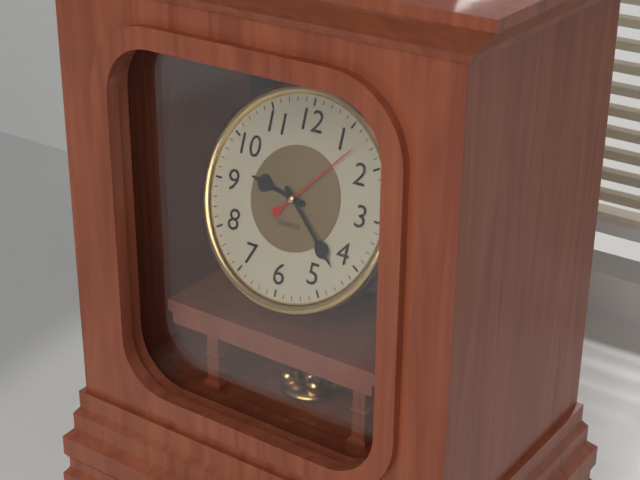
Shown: h=9 m=22 s=7
